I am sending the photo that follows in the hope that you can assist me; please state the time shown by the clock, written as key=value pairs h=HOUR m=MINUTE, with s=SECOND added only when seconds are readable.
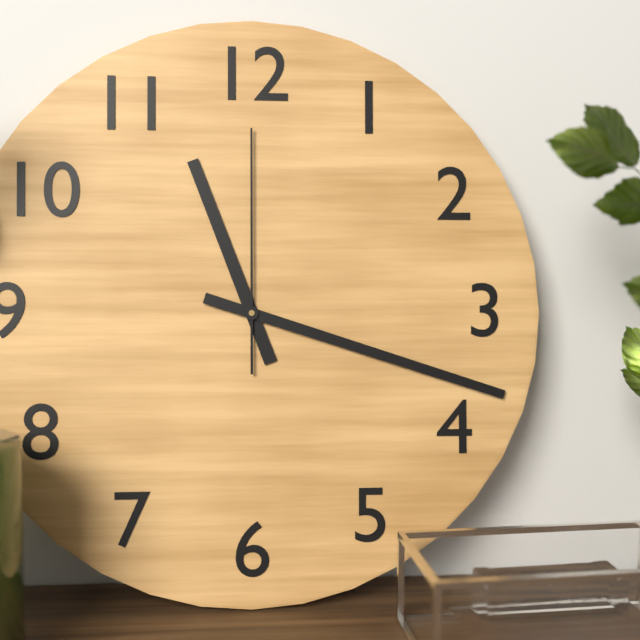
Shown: h=11 m=18 s=0
